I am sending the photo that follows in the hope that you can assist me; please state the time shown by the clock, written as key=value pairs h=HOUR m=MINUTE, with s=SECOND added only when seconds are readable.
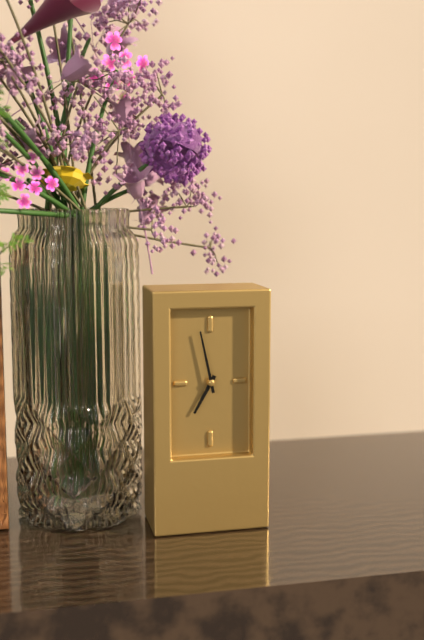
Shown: h=6 m=58
